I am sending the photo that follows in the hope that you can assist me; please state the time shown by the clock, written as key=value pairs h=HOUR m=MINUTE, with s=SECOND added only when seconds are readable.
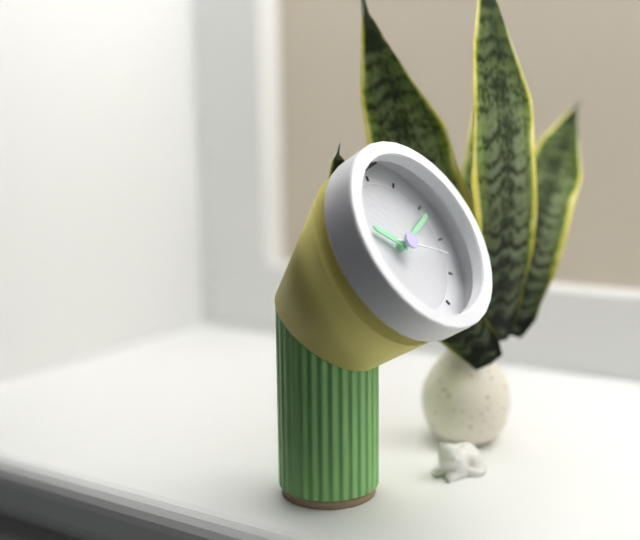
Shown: h=10 m=11 s=18
